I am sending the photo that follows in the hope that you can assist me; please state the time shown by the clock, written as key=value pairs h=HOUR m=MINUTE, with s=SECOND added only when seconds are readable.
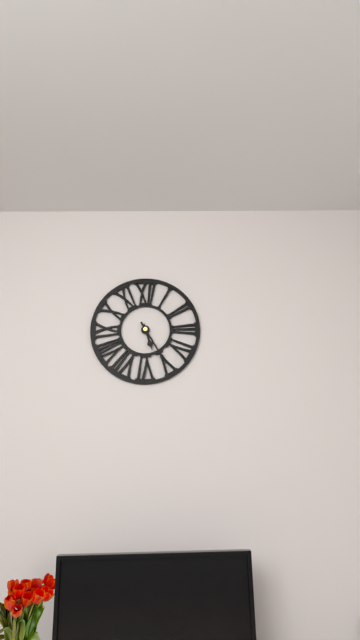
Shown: h=5 m=25
